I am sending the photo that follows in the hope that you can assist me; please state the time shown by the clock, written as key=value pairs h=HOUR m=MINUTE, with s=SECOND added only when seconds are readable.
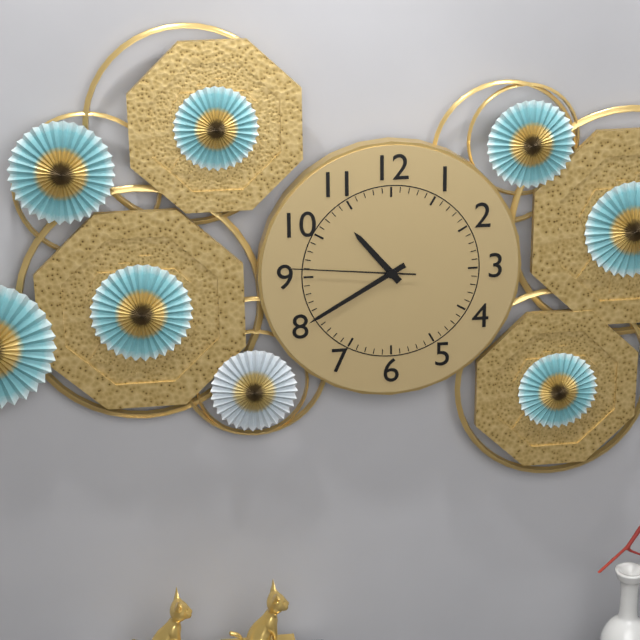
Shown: h=10 m=40 s=46
